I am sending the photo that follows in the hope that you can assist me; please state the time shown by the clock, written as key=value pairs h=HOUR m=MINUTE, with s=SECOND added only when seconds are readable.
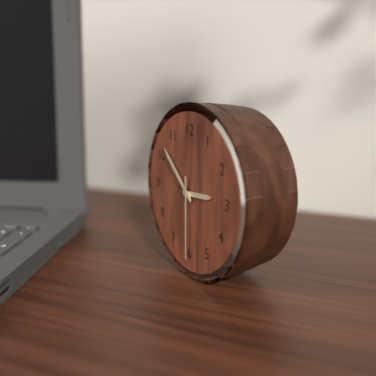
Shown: h=2 m=52 s=30
